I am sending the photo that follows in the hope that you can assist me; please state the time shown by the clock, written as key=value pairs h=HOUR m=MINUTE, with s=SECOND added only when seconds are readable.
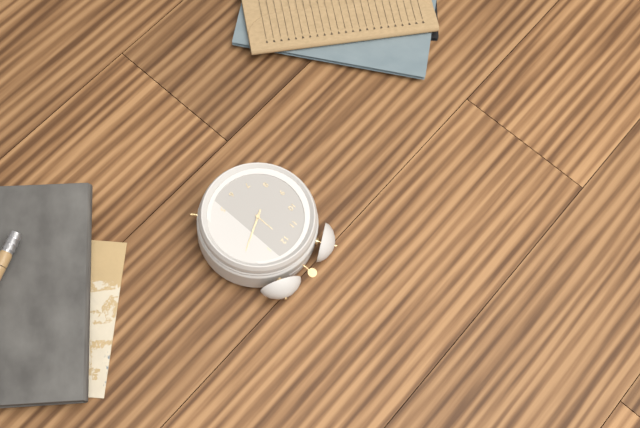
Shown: h=2 m=11
